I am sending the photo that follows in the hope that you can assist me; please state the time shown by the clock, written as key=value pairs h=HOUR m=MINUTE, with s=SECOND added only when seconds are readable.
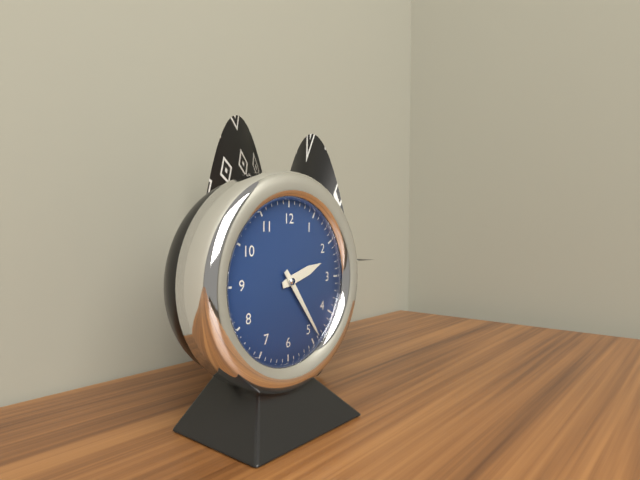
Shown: h=2 m=24
